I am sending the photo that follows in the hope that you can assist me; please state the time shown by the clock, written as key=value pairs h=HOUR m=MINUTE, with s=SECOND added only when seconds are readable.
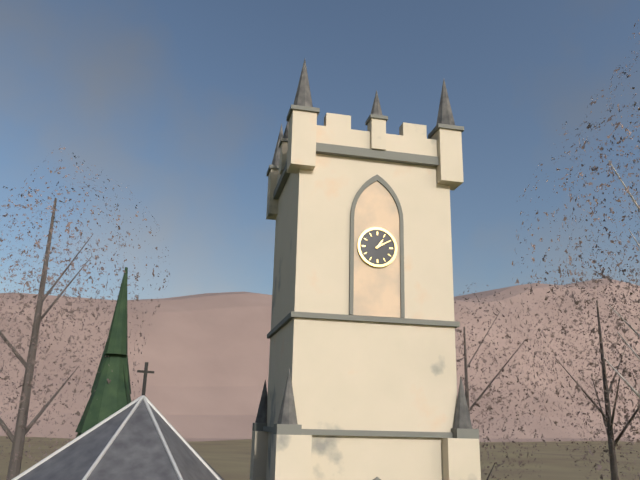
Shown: h=1 m=10
